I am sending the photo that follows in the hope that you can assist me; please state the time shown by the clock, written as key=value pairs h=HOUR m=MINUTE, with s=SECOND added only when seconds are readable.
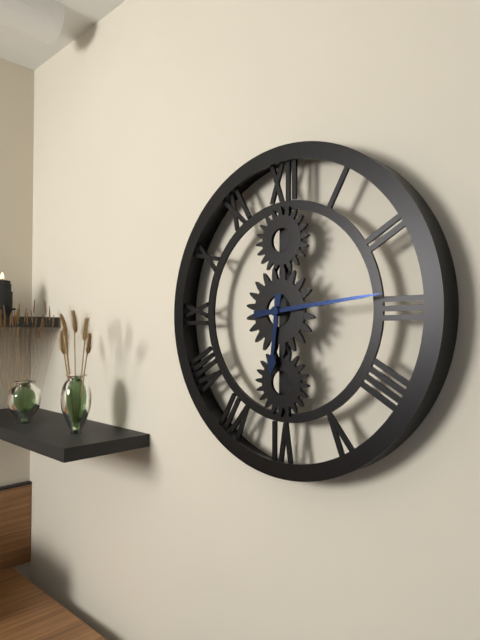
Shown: h=6 m=14
